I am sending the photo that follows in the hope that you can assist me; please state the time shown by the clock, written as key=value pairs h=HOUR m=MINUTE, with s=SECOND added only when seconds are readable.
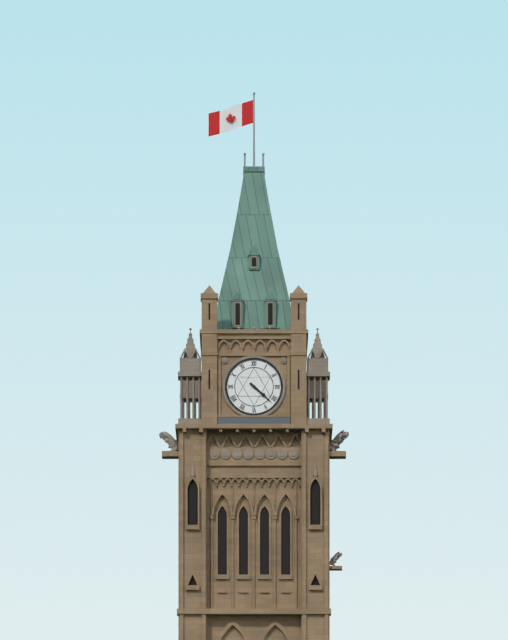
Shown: h=4 m=22
